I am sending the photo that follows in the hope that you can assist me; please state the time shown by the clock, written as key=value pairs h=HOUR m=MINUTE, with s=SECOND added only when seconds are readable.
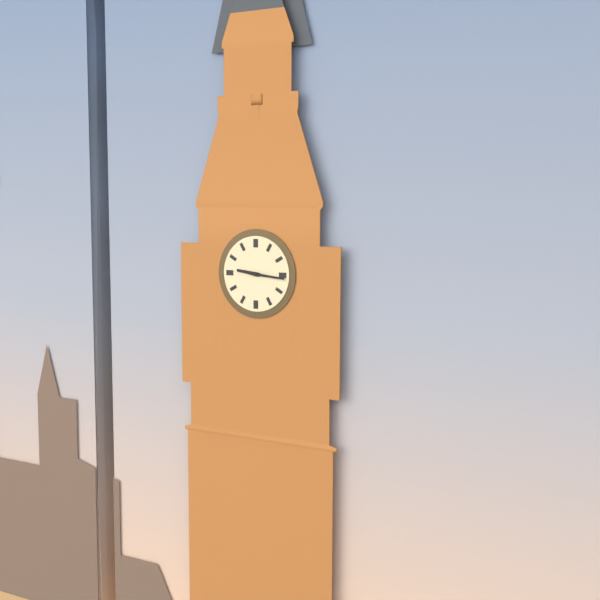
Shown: h=9 m=16
